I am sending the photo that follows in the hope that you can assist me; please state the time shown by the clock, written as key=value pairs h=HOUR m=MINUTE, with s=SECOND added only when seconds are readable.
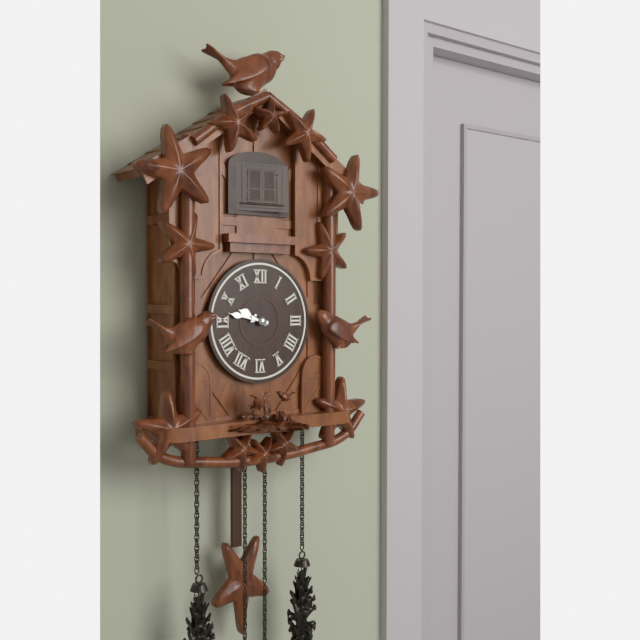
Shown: h=9 m=47
